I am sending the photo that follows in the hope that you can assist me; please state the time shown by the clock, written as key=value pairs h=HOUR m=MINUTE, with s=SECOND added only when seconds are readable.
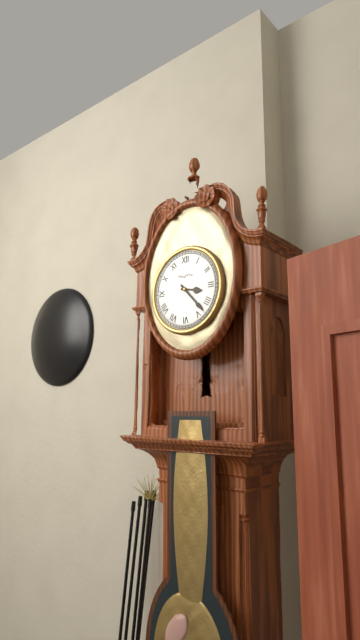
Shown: h=3 m=23
